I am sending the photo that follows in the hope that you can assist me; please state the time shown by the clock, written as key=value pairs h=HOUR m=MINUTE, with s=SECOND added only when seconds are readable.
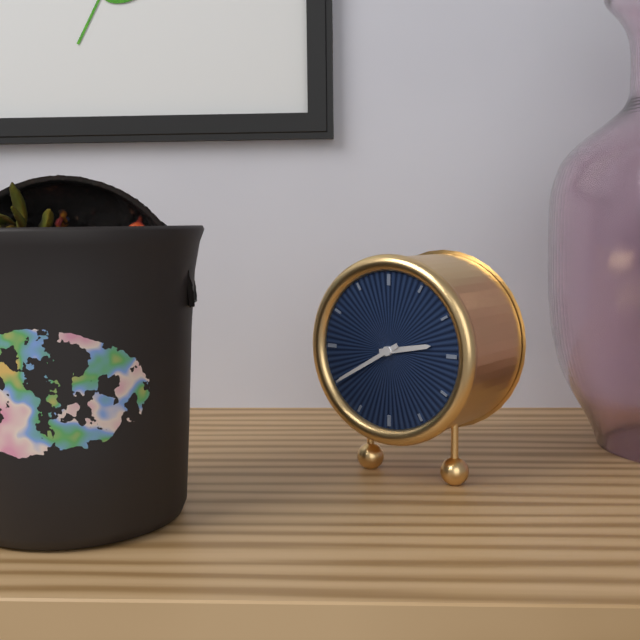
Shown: h=2 m=40
